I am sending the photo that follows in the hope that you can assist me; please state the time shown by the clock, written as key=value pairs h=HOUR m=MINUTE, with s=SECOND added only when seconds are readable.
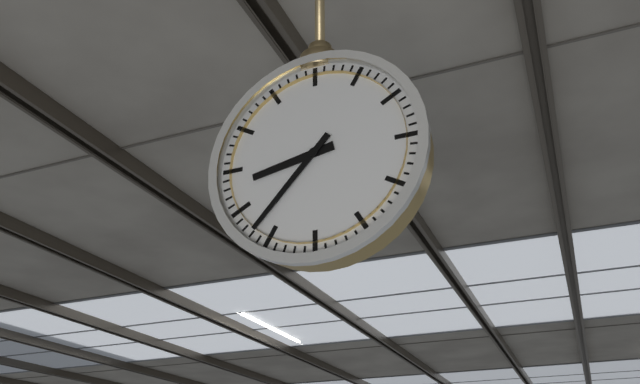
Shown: h=8 m=37
